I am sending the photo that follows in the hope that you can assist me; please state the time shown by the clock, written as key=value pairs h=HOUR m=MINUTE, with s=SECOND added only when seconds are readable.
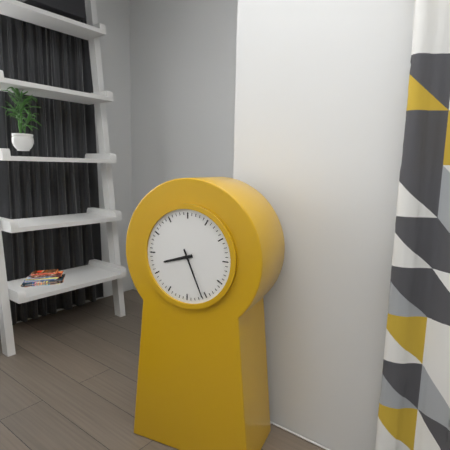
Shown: h=8 m=26
